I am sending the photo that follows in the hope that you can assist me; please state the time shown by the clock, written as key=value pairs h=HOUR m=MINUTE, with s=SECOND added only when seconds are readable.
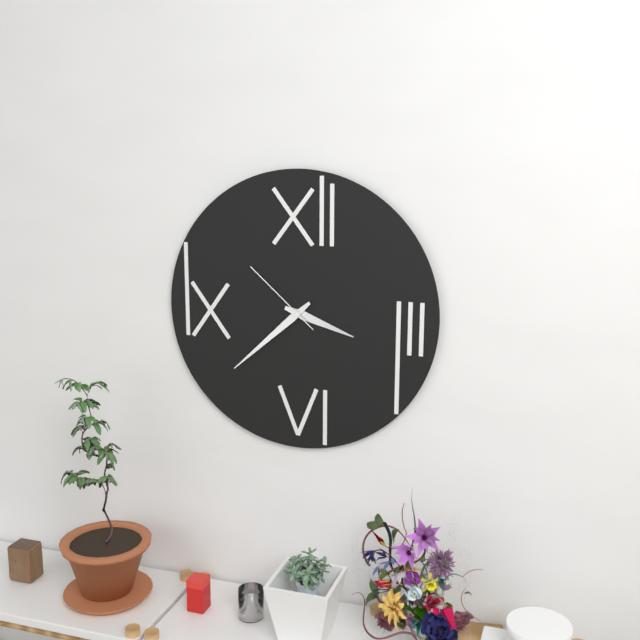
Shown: h=3 m=38 s=52
